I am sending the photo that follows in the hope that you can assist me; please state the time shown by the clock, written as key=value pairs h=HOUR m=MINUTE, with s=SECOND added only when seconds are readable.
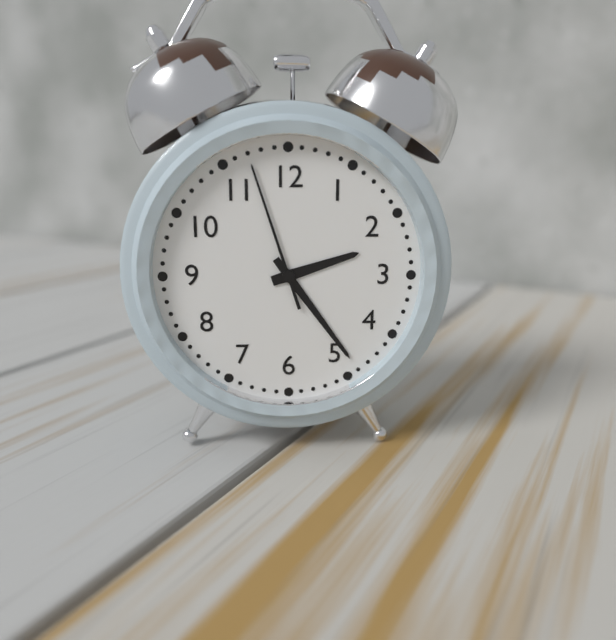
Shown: h=2 m=24 s=57
